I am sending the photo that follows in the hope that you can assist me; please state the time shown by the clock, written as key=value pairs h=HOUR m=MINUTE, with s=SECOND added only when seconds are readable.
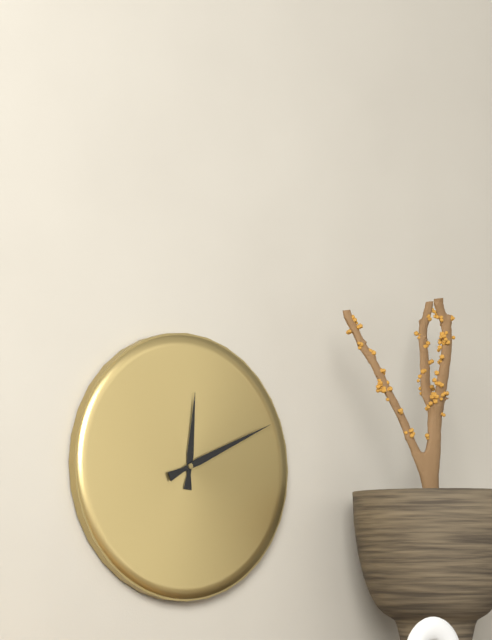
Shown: h=12 m=11
